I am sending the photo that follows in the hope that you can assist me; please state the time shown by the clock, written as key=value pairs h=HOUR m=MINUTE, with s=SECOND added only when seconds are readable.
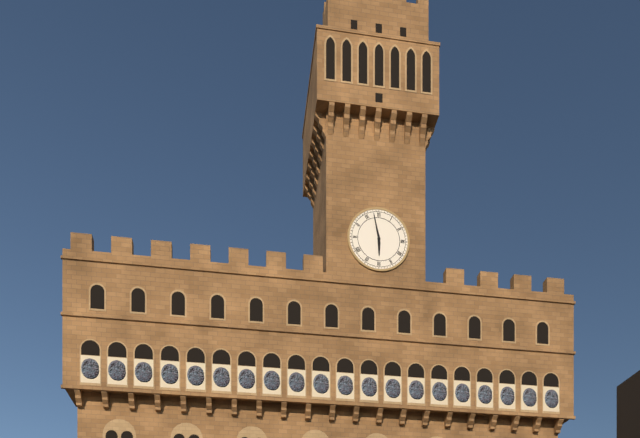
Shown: h=5 m=58
